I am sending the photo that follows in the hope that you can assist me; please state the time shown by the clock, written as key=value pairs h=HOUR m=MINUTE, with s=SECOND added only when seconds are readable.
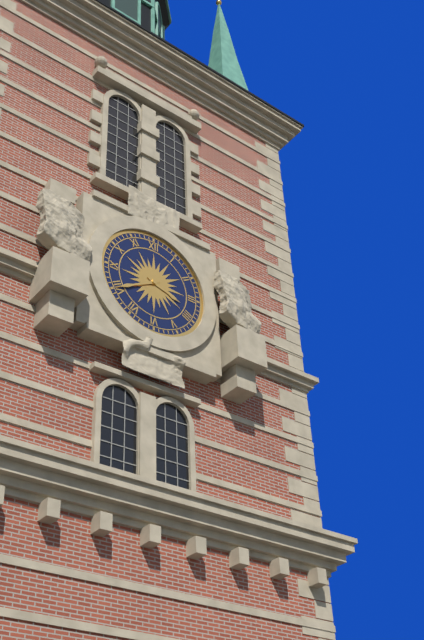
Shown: h=3 m=40
